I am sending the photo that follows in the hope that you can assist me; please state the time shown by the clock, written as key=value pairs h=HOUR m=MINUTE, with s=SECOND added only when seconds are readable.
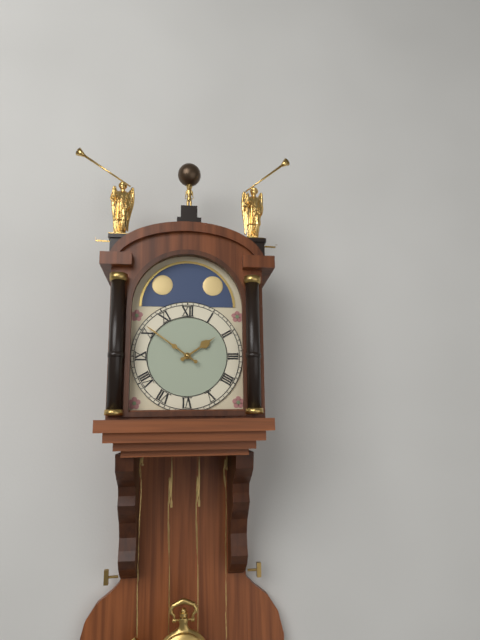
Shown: h=1 m=51
